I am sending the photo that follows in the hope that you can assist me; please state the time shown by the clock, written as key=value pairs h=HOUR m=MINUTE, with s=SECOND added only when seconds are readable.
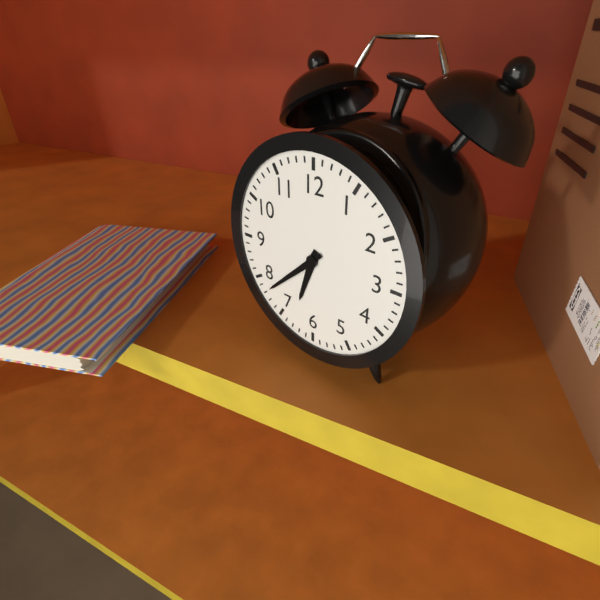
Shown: h=6 m=38
